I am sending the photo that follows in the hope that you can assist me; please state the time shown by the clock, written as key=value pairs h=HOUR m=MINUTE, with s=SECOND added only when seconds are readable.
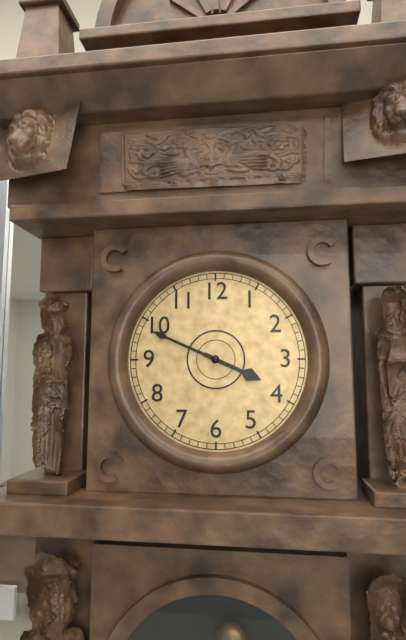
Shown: h=3 m=49
